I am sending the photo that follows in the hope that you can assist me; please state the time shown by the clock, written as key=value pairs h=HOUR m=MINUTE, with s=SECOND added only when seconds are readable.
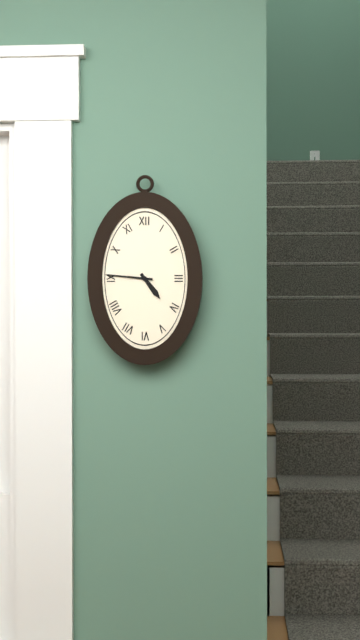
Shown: h=4 m=46
